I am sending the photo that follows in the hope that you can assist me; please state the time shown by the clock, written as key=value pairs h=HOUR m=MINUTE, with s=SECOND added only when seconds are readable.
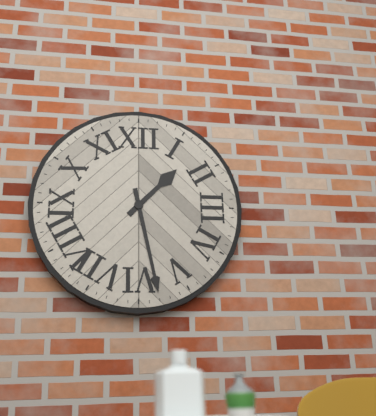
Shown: h=1 m=28
